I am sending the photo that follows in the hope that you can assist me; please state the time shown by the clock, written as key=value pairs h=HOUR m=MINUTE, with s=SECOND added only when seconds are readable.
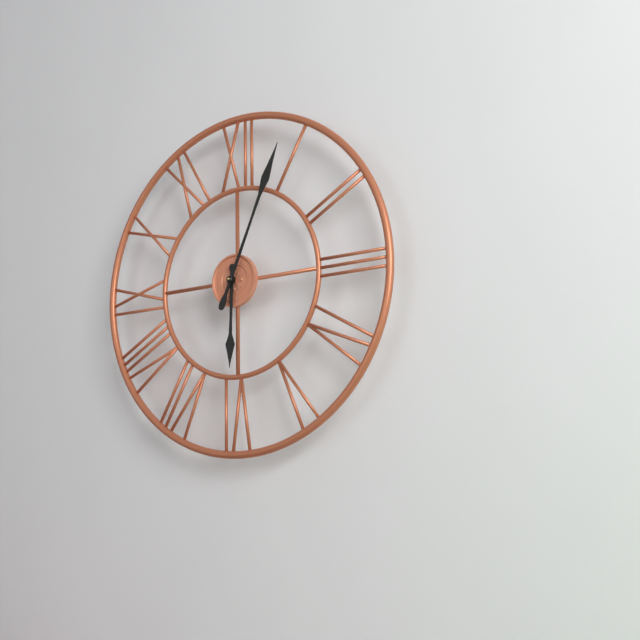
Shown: h=6 m=4
